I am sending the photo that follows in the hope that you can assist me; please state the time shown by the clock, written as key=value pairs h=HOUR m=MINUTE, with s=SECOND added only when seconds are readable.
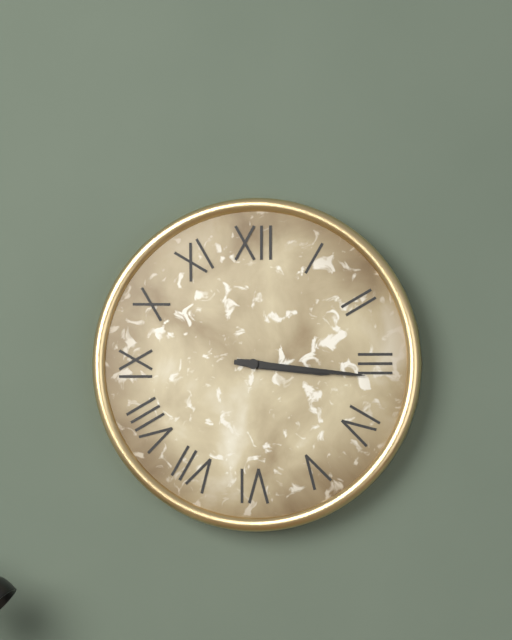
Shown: h=3 m=16
